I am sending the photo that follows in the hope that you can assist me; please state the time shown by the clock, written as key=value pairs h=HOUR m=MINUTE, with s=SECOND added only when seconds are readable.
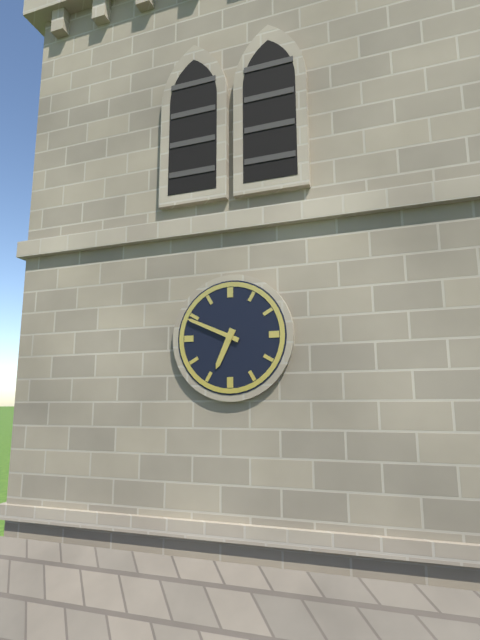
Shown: h=6 m=49
